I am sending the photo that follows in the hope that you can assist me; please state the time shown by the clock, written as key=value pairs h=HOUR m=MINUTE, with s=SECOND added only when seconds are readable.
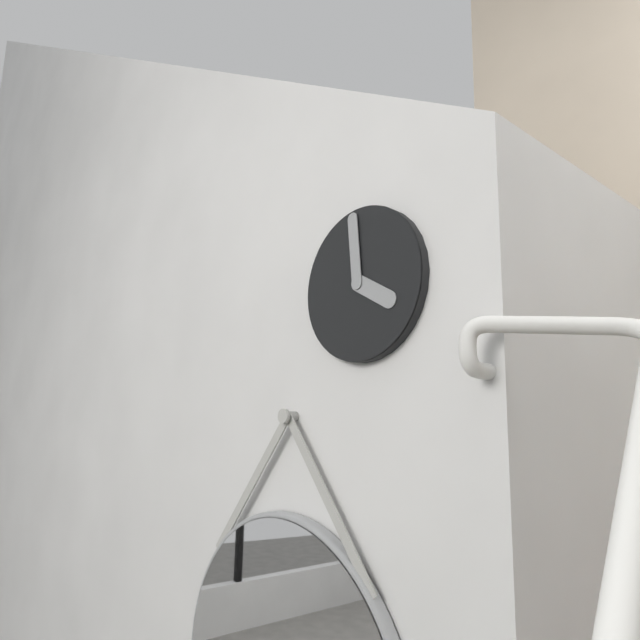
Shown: h=3 m=59
